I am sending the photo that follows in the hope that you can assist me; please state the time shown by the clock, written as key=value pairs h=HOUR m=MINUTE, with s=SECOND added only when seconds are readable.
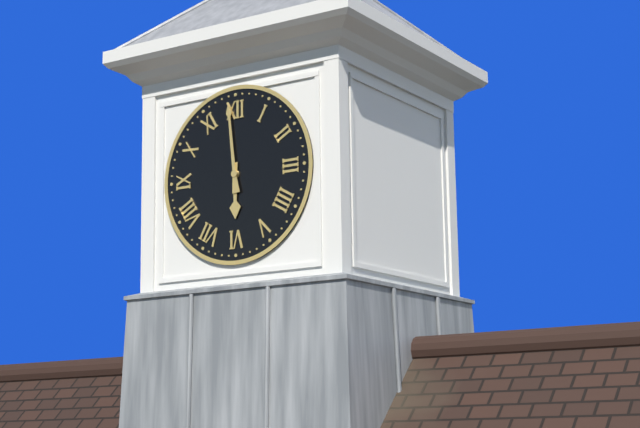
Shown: h=5 m=59
